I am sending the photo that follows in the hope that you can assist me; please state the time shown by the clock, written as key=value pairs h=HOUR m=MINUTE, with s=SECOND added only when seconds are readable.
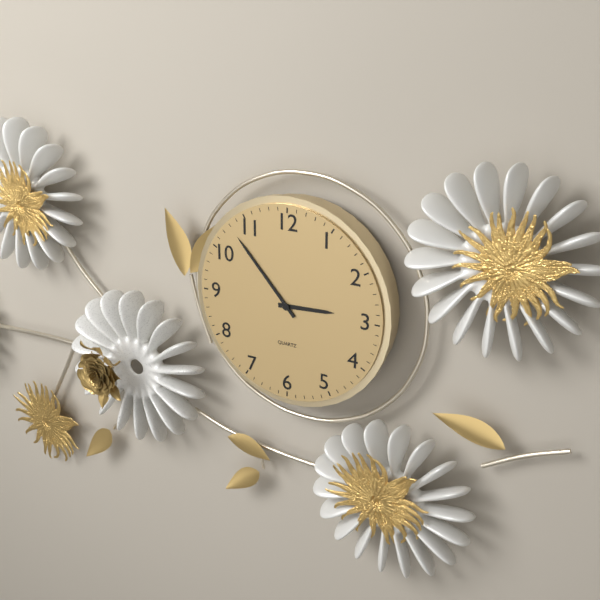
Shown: h=2 m=53
